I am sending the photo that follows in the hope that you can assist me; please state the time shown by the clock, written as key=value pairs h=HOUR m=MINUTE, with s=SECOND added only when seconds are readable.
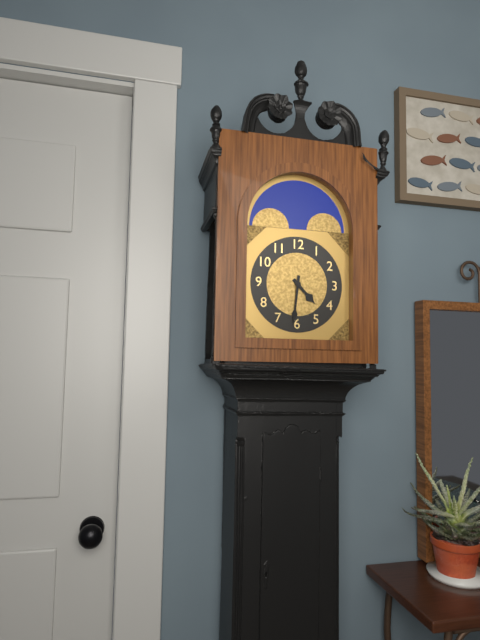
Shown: h=4 m=31
